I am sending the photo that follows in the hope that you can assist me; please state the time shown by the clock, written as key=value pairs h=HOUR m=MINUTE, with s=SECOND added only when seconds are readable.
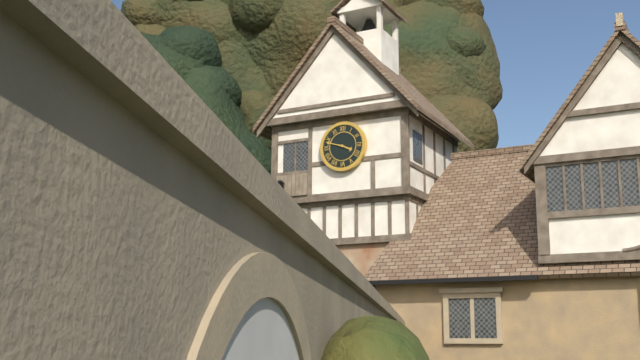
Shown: h=3 m=48
